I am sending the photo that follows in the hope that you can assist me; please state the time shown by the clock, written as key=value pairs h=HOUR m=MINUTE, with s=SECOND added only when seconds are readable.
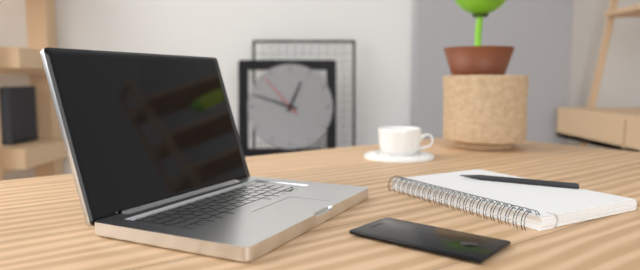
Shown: h=12 m=48 s=53
